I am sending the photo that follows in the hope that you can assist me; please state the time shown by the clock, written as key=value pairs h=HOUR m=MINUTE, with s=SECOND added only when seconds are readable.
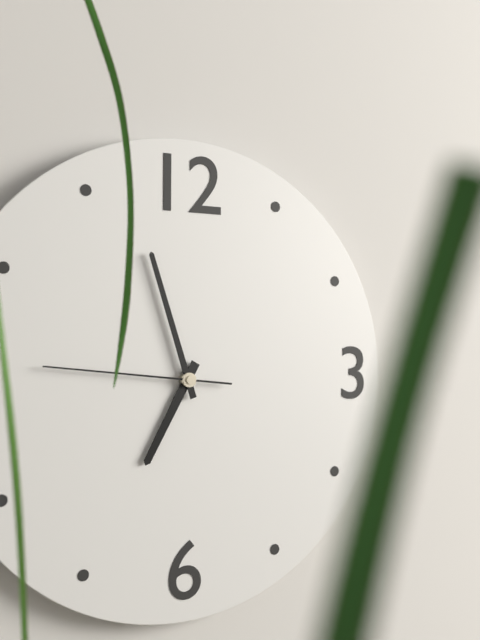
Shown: h=6 m=57 s=46
